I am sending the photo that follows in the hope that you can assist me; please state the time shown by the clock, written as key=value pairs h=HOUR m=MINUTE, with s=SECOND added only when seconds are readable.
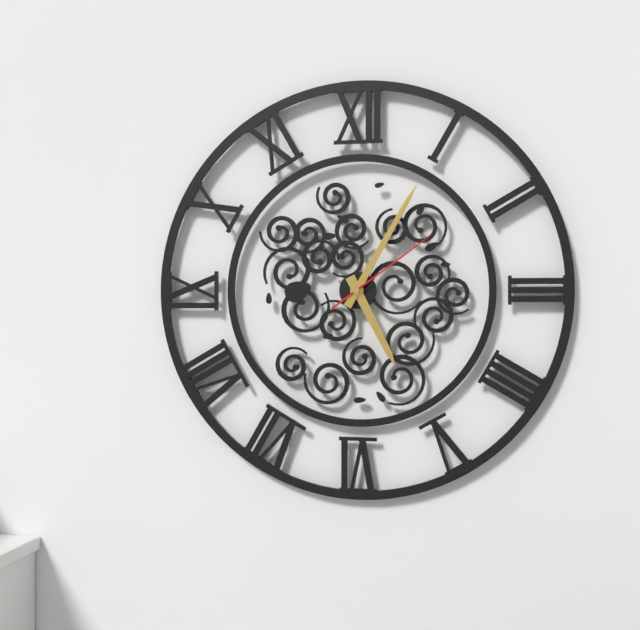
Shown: h=5 m=5 s=9
